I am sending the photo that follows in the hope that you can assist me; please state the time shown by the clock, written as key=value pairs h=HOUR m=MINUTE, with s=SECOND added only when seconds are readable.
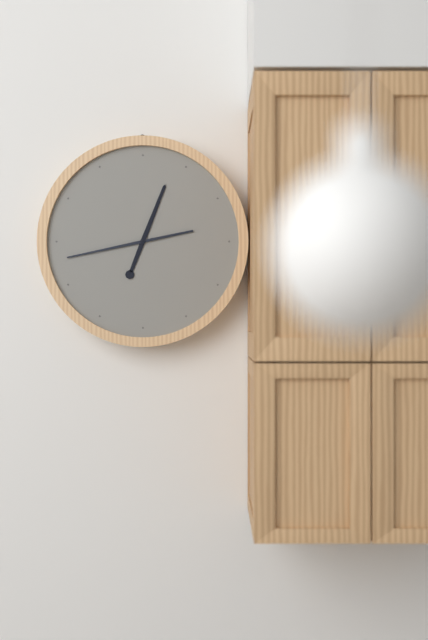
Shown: h=12 m=43
